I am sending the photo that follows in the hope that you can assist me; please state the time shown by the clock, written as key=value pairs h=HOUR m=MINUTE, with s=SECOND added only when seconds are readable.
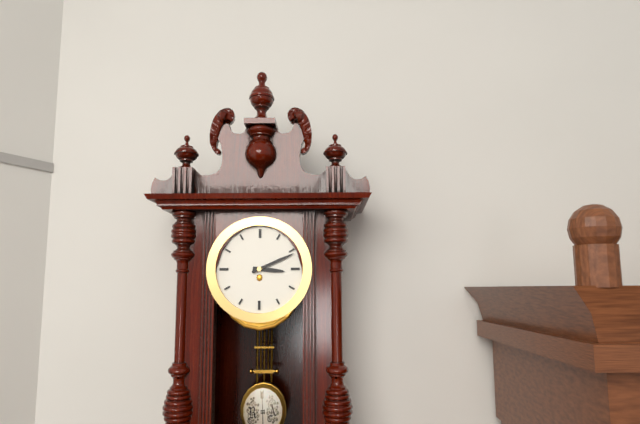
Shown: h=3 m=11
